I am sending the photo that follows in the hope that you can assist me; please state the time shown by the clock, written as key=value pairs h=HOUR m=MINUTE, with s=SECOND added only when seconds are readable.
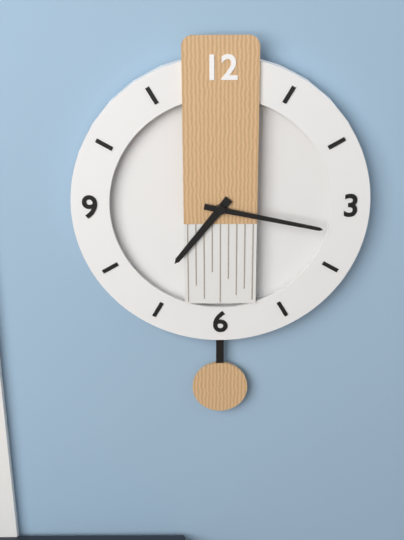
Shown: h=7 m=17
